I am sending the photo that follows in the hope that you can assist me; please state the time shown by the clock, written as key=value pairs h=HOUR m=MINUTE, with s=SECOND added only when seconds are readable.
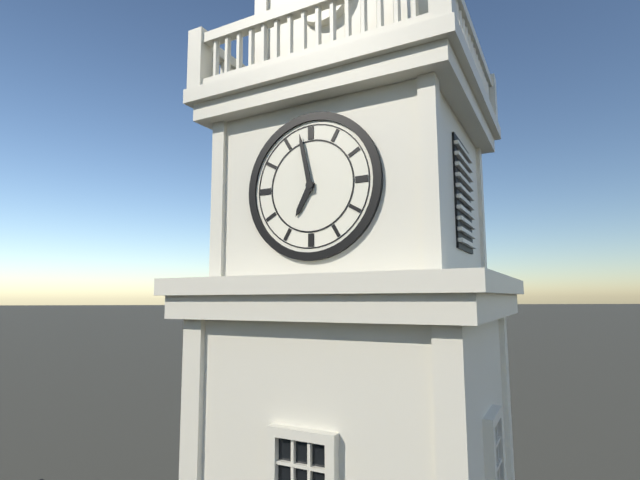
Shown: h=6 m=58
